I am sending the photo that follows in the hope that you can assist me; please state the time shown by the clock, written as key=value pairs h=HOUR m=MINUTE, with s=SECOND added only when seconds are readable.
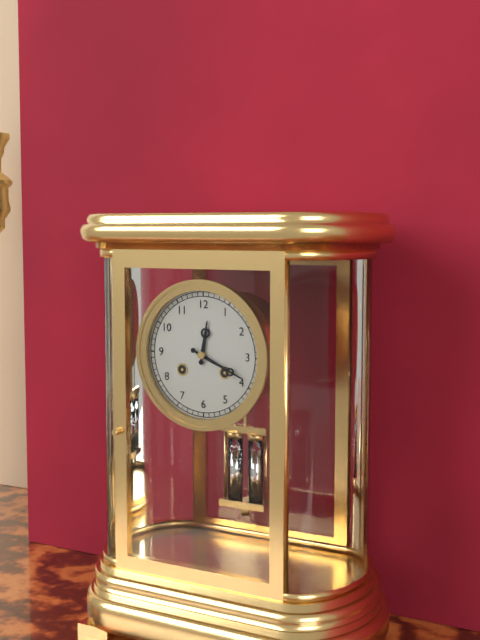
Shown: h=12 m=19
